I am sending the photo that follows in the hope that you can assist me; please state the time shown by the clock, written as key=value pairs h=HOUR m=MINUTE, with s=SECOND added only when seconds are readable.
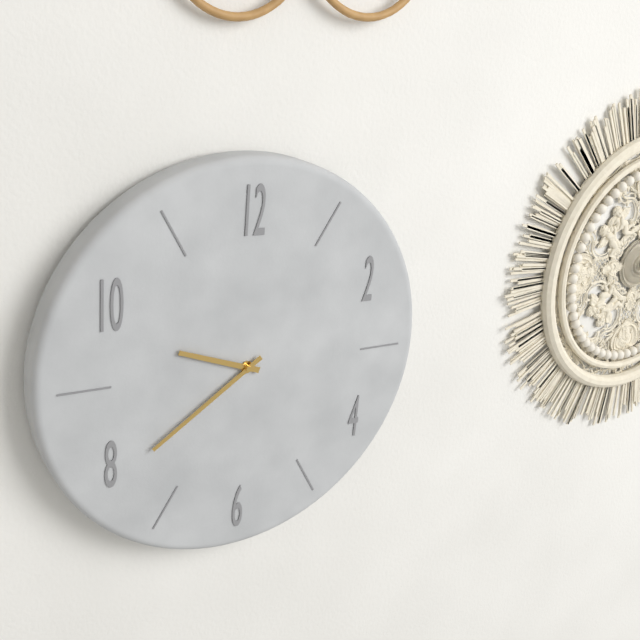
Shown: h=9 m=39
